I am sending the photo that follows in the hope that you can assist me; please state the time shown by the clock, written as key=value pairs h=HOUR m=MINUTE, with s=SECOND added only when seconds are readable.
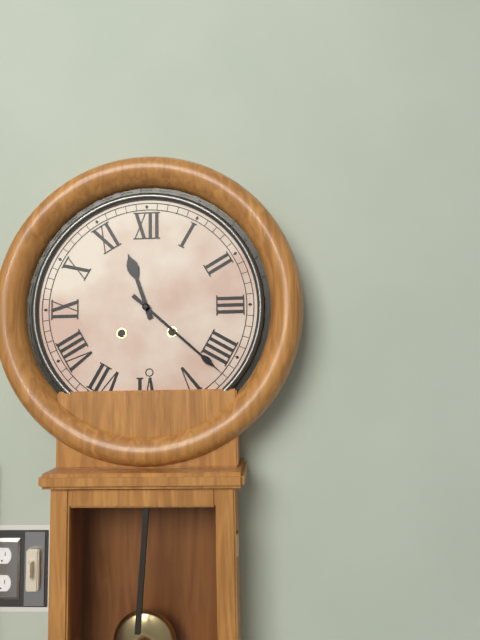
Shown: h=11 m=22
